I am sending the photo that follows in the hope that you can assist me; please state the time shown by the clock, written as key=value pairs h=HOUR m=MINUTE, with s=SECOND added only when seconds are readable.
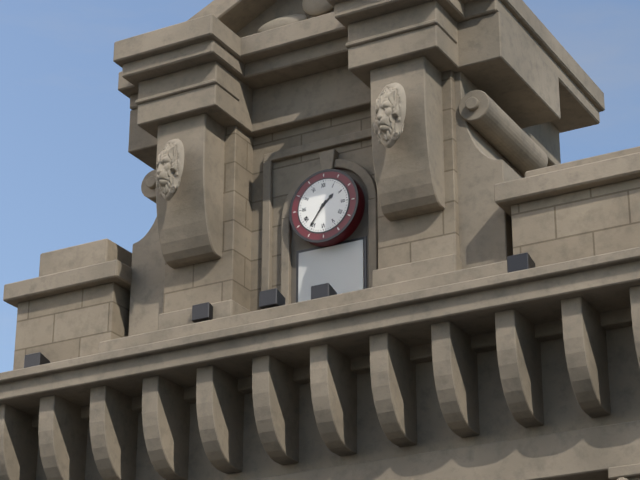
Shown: h=1 m=36
